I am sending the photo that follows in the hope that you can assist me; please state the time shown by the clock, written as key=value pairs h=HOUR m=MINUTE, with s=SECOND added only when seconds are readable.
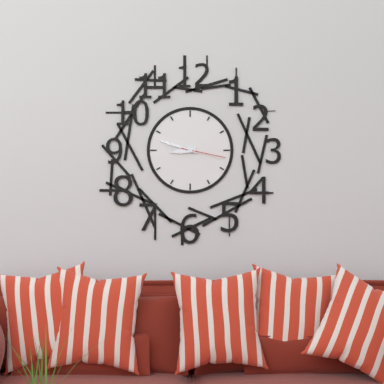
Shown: h=8 m=48
